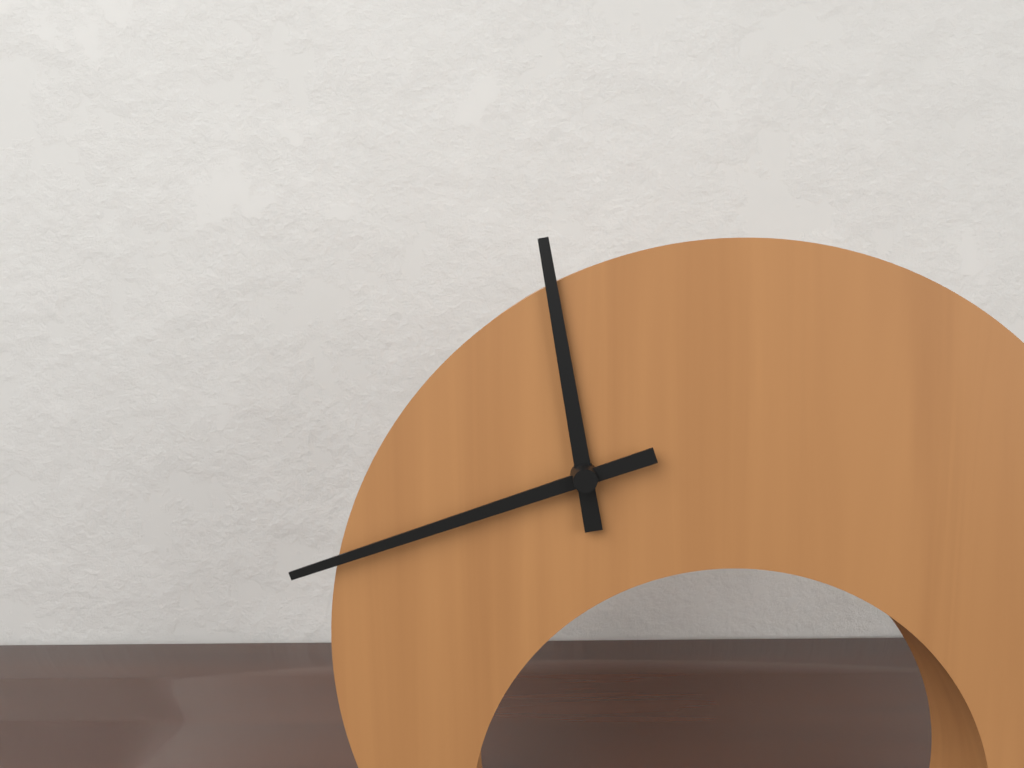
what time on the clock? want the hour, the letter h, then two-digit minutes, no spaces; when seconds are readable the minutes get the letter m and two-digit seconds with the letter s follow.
11h42
